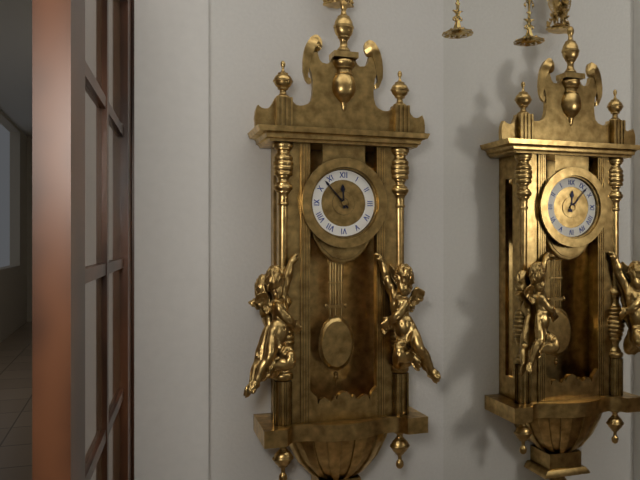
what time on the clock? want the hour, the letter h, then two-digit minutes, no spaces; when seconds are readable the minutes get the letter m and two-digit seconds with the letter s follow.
11h53
